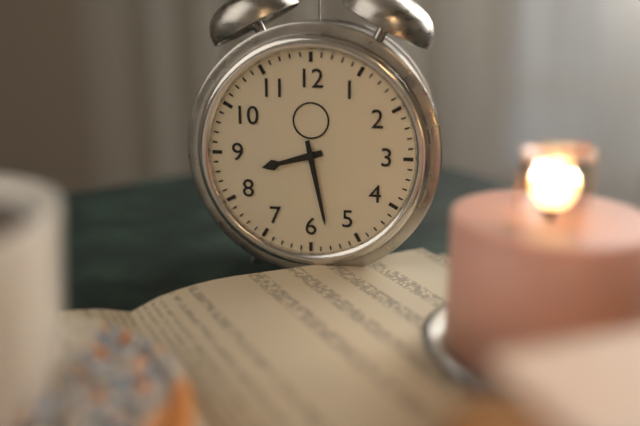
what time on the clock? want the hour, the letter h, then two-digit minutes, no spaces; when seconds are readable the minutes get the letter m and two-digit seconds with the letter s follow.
8h28
